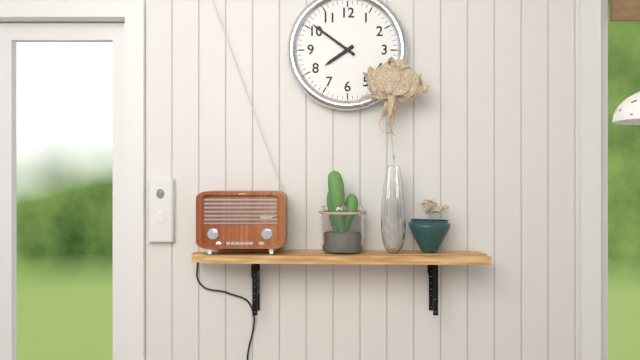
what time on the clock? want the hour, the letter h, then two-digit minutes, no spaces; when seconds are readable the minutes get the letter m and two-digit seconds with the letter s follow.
7h51
